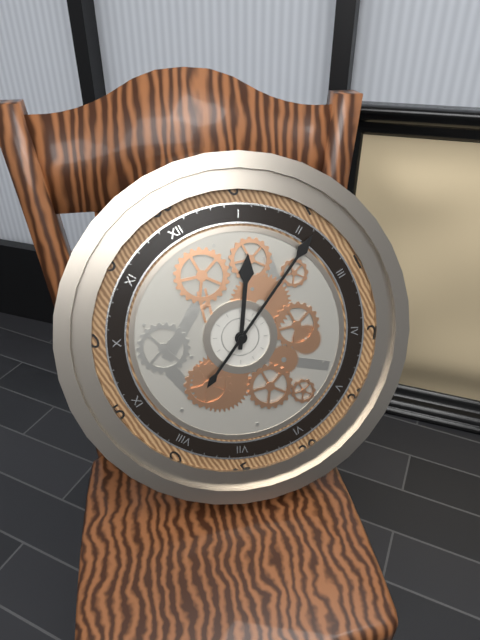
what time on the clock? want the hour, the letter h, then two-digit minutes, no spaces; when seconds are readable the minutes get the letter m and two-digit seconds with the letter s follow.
1h11
